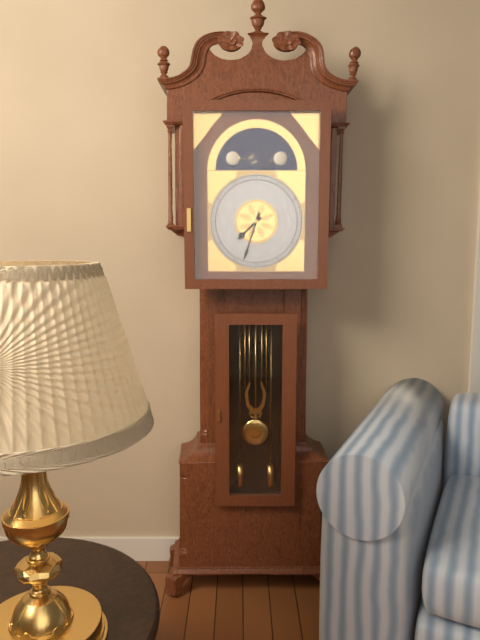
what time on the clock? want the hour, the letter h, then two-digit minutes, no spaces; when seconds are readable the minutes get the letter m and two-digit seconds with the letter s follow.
7h33
